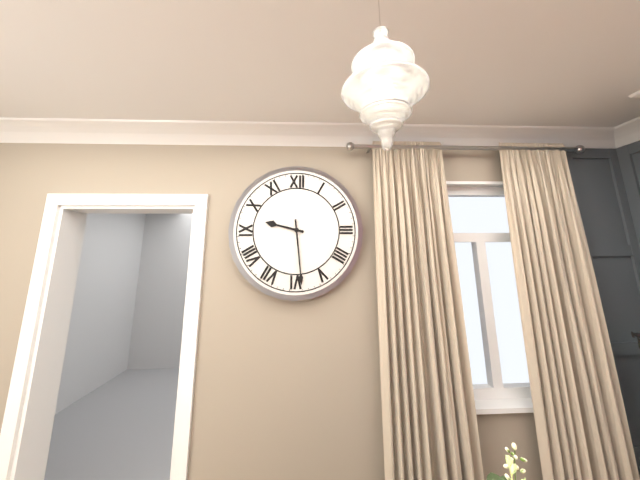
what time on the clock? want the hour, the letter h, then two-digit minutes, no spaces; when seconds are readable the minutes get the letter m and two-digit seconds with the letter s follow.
9h29
